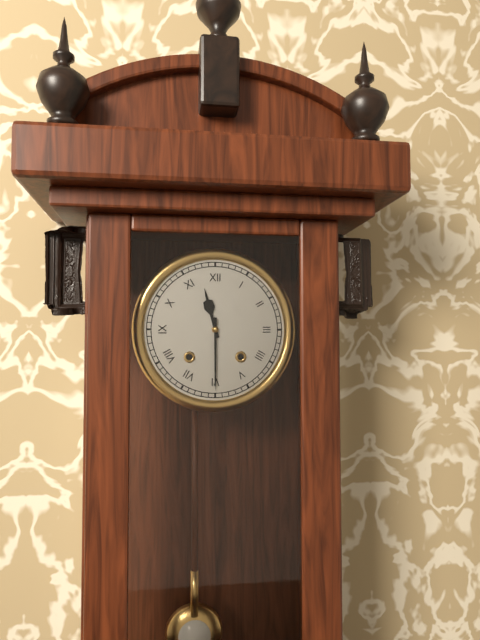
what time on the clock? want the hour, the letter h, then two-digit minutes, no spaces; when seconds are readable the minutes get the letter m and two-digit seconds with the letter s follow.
11h30
